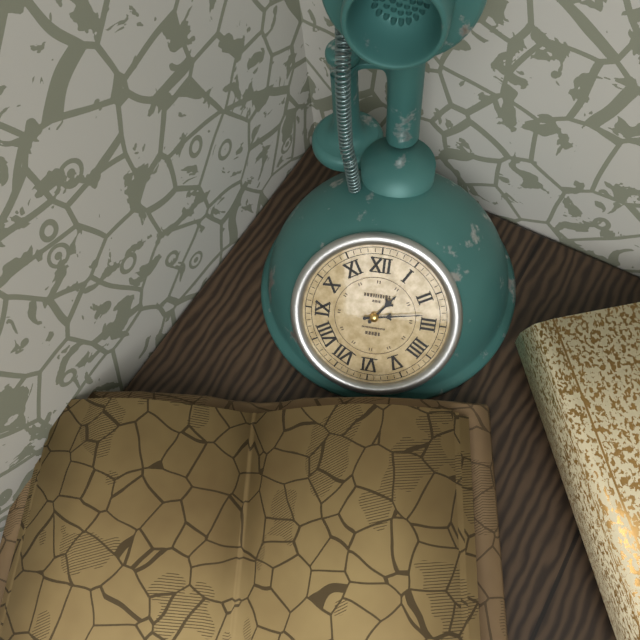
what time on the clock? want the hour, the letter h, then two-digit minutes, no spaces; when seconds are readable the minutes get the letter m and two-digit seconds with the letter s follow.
1h13
